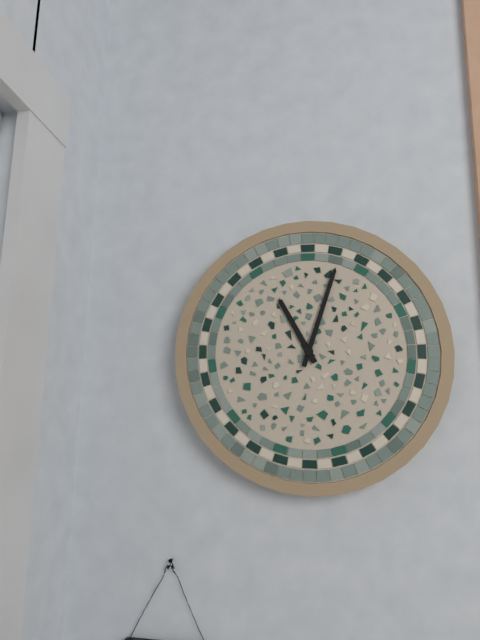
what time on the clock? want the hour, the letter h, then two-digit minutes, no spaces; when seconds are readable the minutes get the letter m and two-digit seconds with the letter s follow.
11h03
